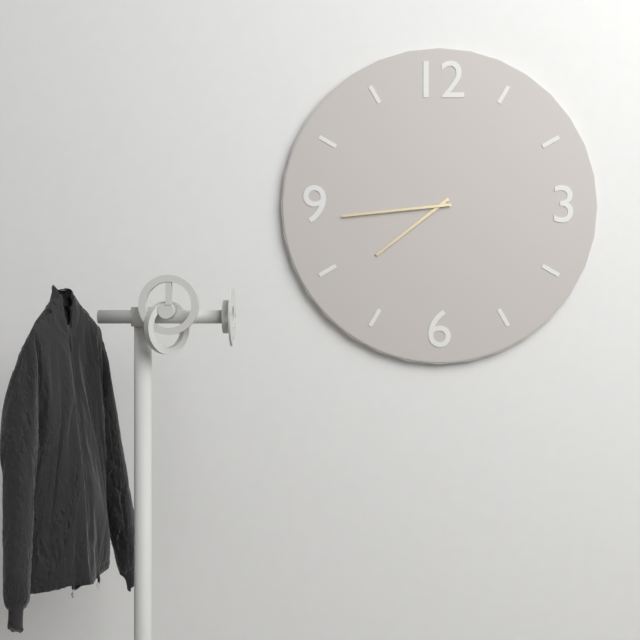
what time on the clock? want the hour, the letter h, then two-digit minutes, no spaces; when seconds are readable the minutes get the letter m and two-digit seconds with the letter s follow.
7h44
